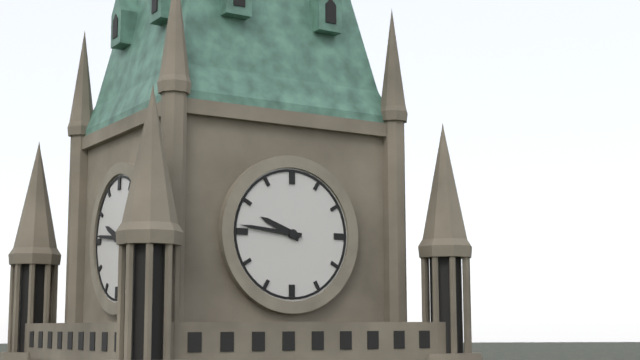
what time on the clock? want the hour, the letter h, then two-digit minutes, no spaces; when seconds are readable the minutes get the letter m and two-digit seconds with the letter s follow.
9h46
